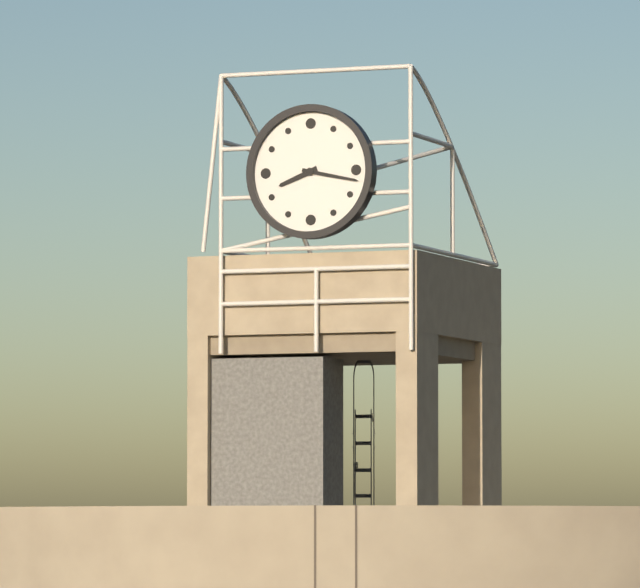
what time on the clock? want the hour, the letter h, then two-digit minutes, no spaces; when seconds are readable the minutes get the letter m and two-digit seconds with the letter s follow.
8h17
